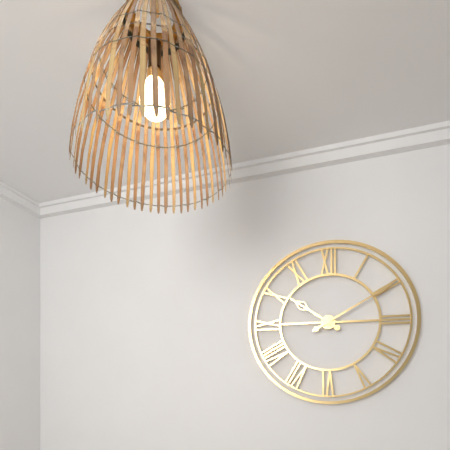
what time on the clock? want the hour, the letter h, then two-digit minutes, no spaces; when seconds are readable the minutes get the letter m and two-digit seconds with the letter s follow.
10h10
